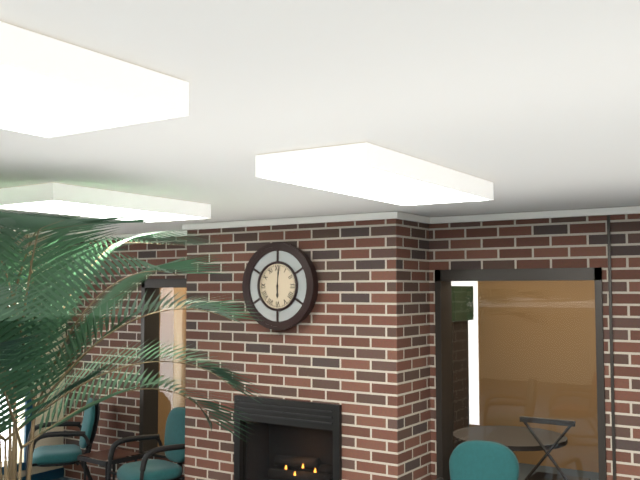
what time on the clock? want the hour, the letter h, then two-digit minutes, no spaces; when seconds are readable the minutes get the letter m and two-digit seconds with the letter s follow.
6h01
